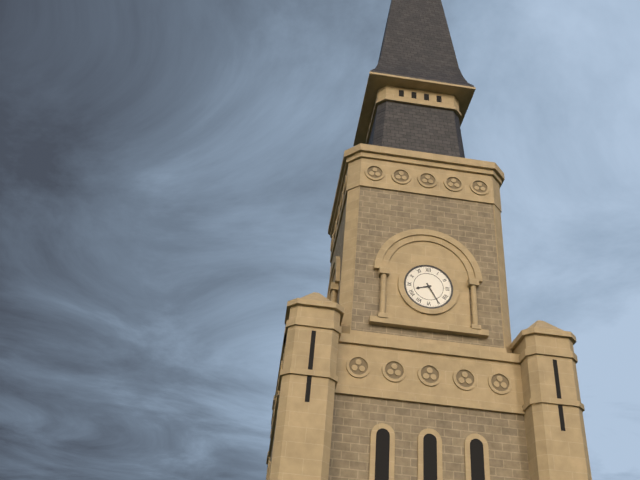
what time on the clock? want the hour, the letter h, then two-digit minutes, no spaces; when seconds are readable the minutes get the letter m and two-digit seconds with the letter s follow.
8h25
